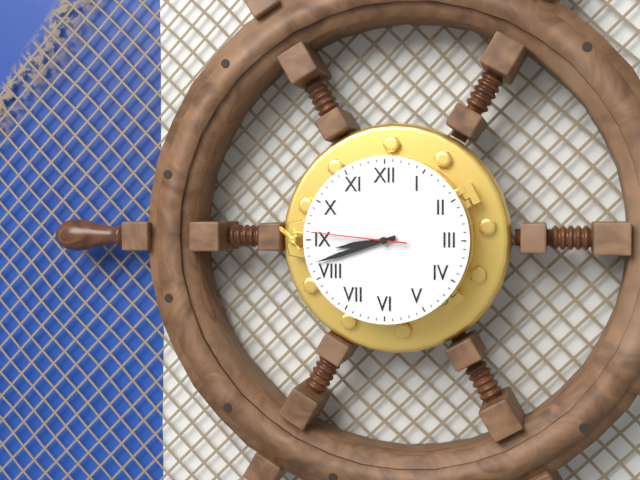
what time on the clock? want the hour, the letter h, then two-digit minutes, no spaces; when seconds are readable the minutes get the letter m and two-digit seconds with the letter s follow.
8h42m46s
